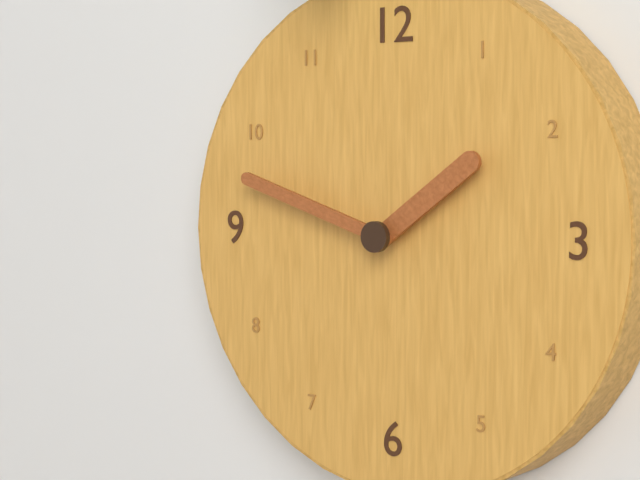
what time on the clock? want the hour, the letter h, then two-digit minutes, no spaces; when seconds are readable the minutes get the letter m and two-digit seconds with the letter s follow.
1h48
